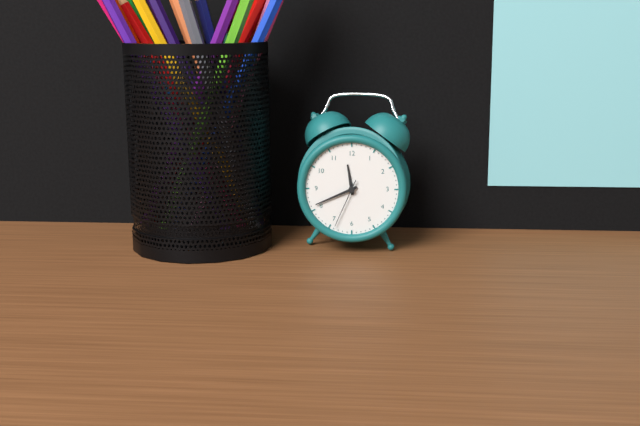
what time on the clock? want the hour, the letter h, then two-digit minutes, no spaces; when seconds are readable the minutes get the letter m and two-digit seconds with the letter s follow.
11h41m34s
